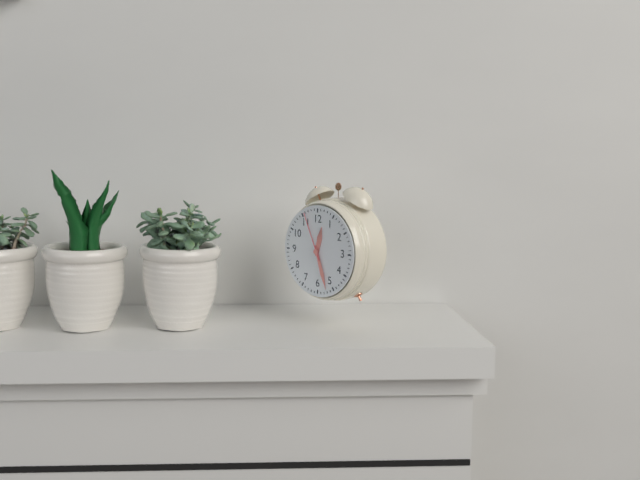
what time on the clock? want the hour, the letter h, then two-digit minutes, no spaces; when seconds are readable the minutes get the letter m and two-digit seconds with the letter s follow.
12h27m56s
